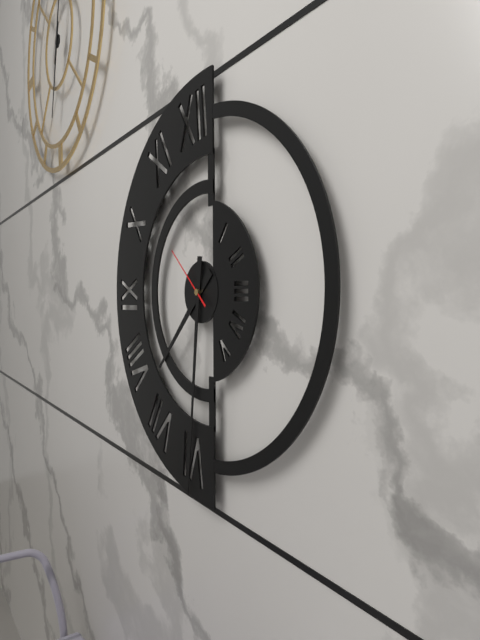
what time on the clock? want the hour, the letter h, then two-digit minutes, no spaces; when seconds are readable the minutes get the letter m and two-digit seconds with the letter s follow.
7h31m52s
